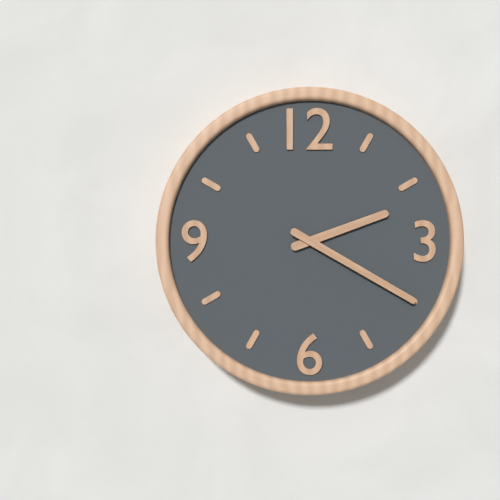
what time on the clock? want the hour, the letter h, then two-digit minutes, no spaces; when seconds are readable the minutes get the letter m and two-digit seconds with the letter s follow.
2h20
